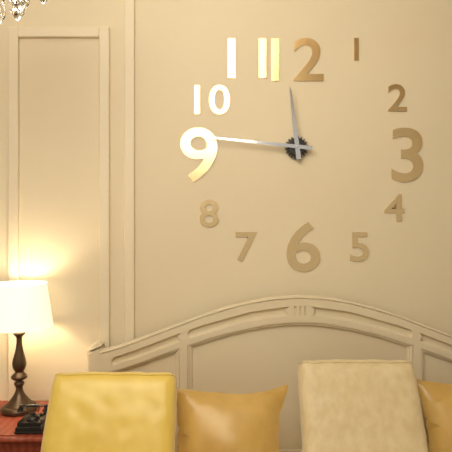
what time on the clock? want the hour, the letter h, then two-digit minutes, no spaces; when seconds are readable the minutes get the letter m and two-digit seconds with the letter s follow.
11h46
